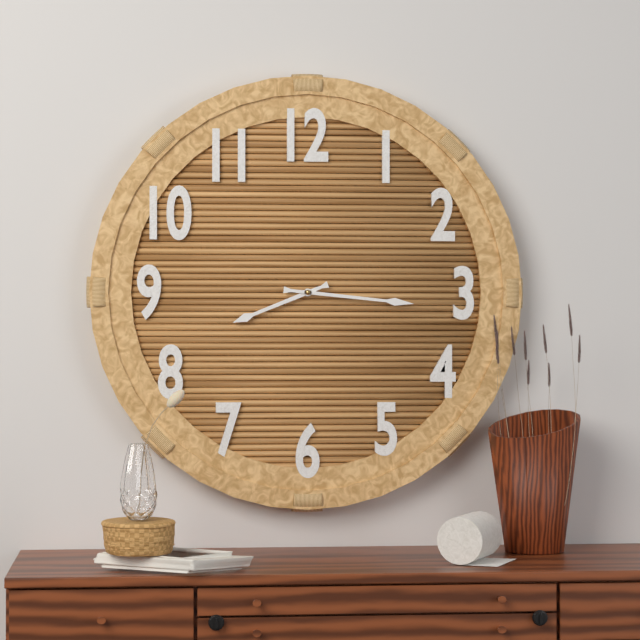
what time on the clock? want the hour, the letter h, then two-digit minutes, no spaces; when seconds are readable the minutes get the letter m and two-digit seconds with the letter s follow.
8h16
